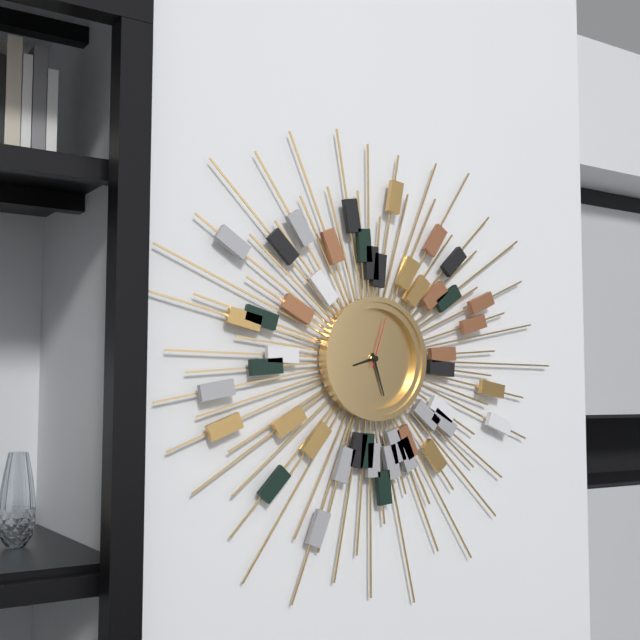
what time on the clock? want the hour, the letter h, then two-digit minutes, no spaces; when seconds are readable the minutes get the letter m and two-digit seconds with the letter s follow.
8h27m03s
